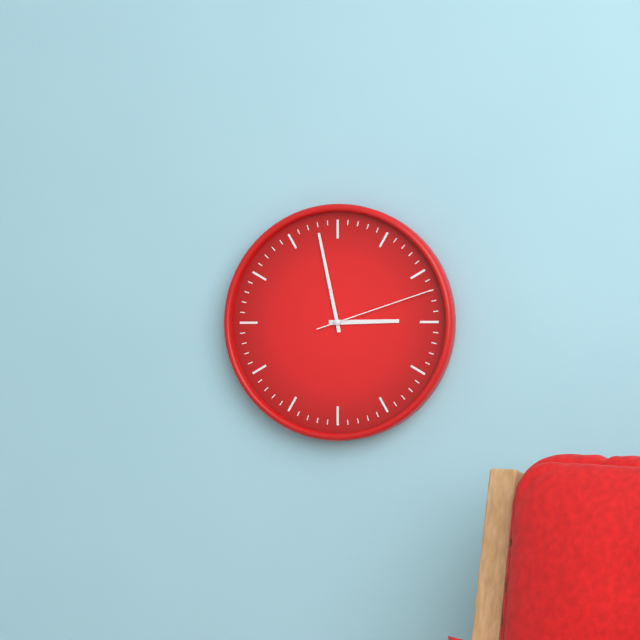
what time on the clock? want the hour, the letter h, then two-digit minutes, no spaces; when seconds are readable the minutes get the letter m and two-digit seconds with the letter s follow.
2h58m12s
